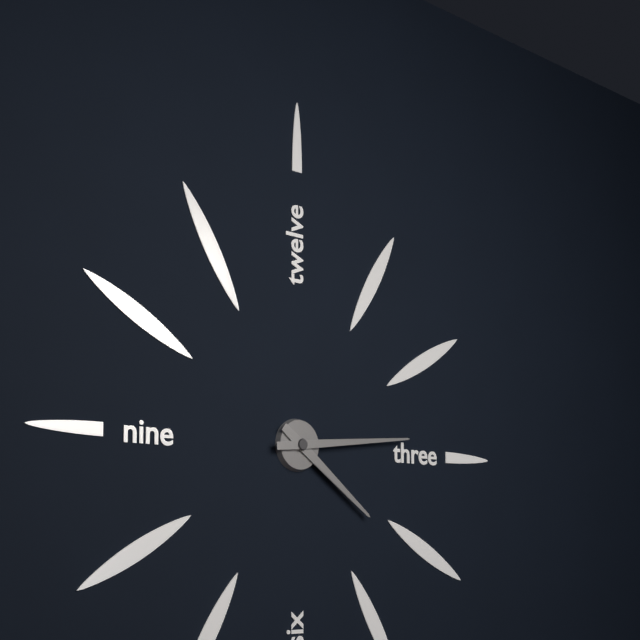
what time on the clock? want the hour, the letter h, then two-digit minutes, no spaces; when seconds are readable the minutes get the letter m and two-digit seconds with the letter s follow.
4h14
